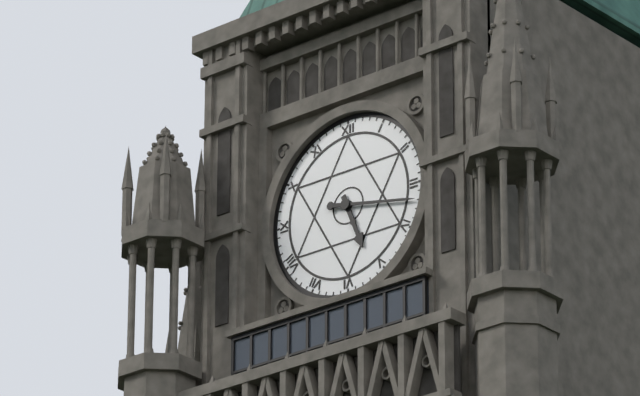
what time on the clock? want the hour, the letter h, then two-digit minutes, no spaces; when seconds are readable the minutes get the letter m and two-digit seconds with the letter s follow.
5h17
